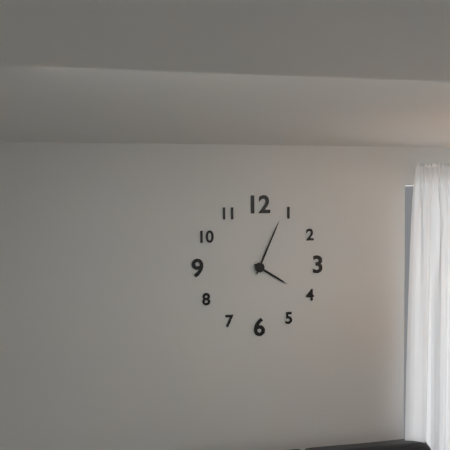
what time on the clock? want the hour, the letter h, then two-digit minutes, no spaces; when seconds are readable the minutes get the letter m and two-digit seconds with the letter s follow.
4h04
